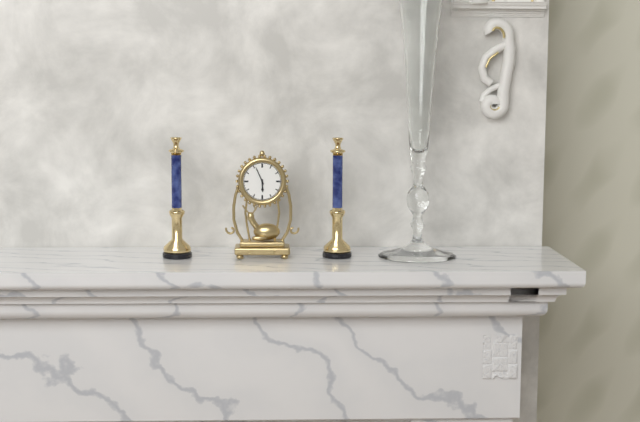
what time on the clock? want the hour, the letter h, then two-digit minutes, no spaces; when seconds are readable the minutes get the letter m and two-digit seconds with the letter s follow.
5h56
